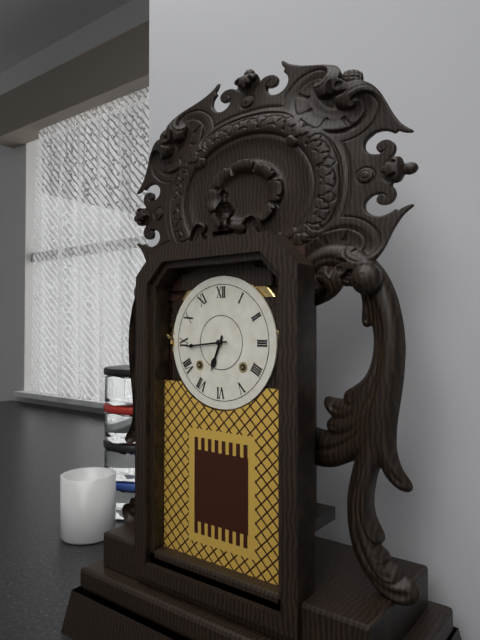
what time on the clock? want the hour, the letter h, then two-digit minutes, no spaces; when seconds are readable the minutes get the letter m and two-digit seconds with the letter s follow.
6h44
